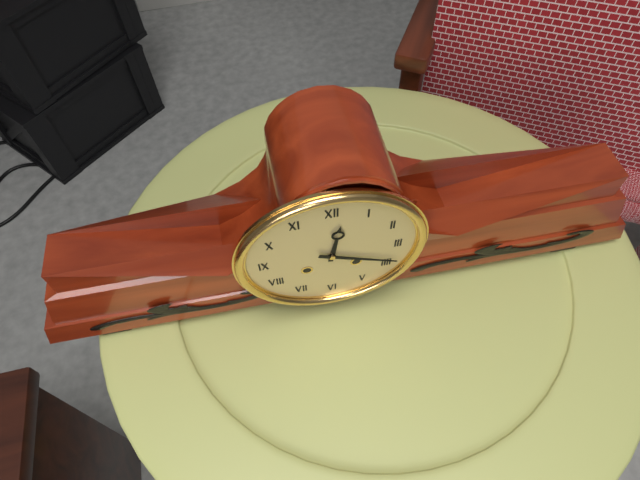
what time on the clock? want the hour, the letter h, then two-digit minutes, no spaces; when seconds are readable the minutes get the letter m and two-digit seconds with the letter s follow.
12h19
